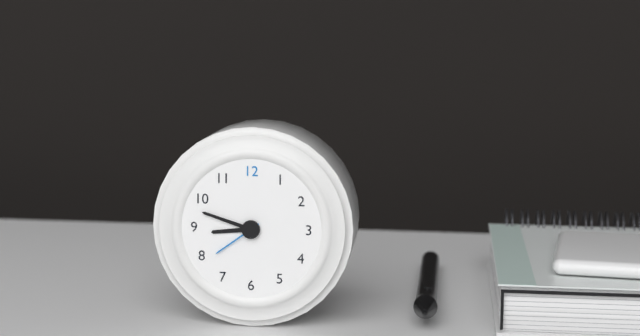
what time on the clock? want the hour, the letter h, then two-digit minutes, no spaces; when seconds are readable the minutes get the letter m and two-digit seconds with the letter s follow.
8h48m39s
